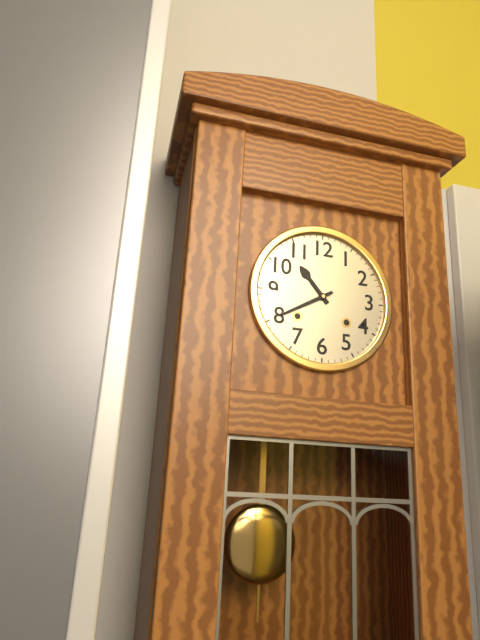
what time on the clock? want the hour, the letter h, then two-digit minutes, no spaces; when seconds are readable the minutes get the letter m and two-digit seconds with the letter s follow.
10h40
